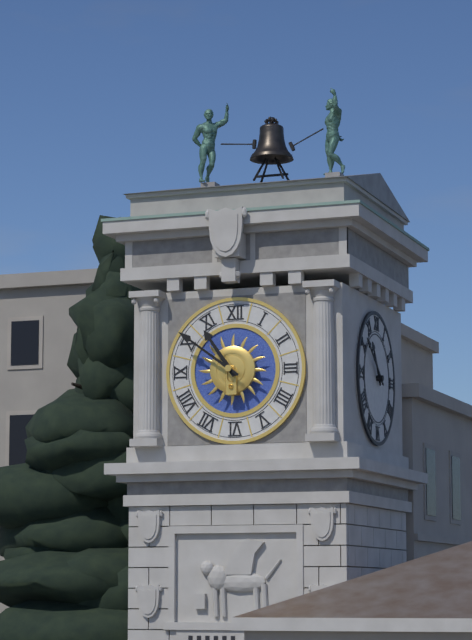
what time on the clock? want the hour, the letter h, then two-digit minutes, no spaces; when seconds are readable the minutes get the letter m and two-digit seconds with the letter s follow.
10h51
